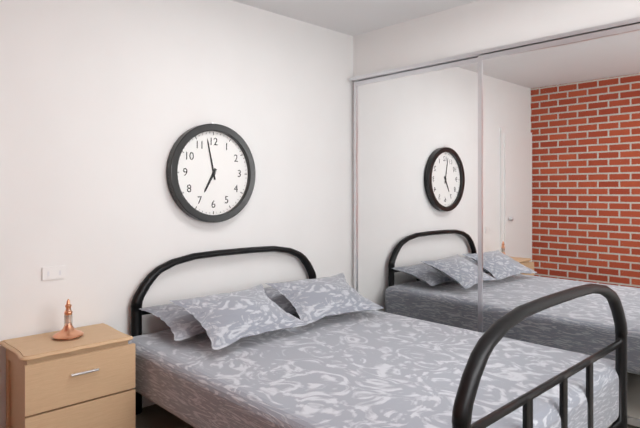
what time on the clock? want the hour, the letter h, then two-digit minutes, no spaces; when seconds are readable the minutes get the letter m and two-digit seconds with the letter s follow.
6h58
